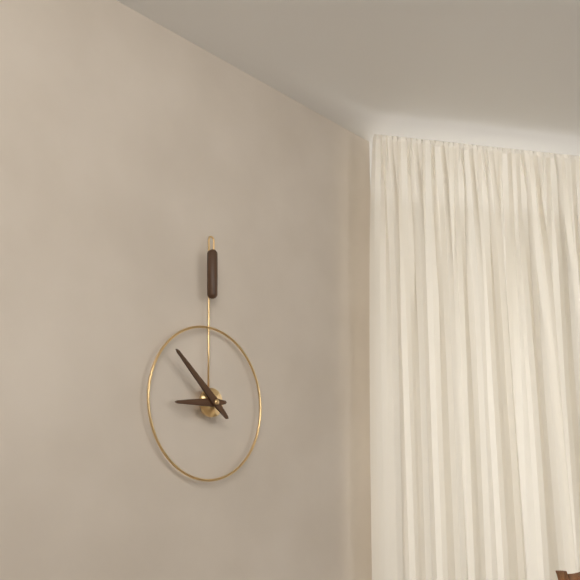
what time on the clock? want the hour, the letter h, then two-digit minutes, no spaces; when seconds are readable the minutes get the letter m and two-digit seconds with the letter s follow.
8h52
